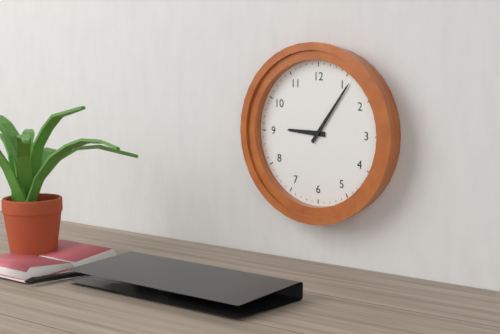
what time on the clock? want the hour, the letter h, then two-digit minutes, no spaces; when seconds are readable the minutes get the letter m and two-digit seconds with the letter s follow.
9h06
